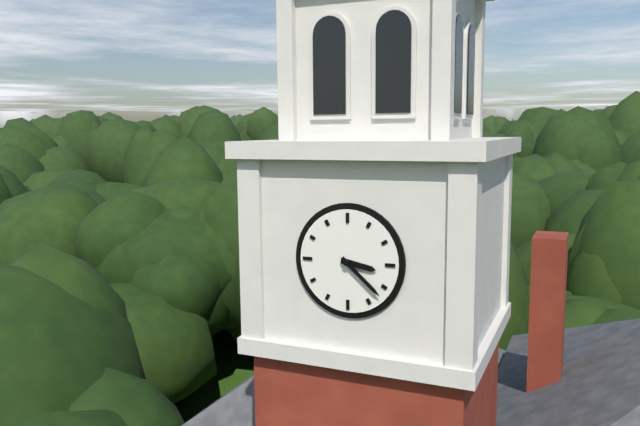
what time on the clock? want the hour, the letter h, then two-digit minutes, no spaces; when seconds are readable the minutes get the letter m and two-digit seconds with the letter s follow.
3h22
